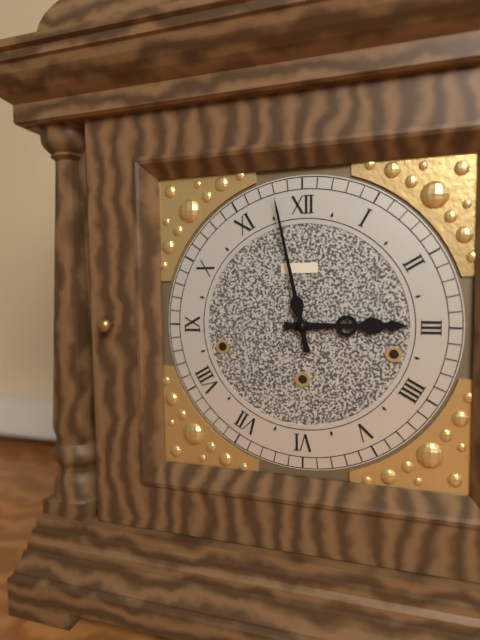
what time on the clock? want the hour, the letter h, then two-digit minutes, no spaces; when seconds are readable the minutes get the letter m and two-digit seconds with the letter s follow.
2h58
